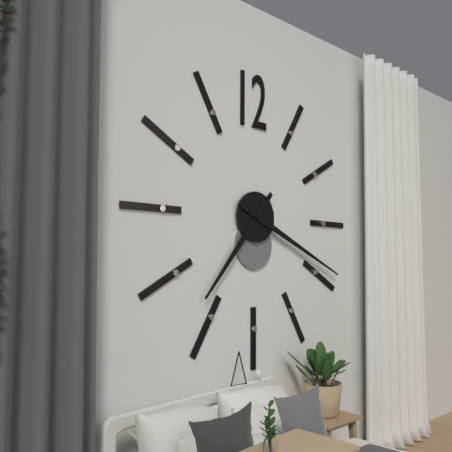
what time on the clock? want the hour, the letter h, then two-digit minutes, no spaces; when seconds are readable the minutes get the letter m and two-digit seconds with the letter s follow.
7h19
